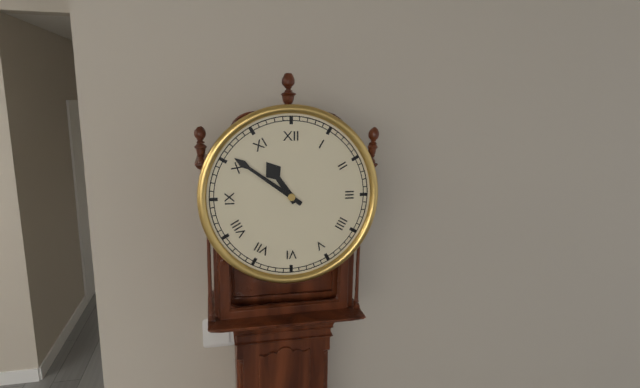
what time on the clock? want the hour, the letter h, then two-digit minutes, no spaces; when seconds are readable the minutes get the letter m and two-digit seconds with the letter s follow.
10h51
